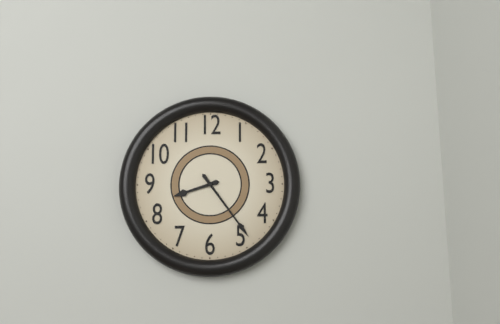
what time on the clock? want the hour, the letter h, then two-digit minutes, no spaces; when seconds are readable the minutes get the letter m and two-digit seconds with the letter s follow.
8h24
